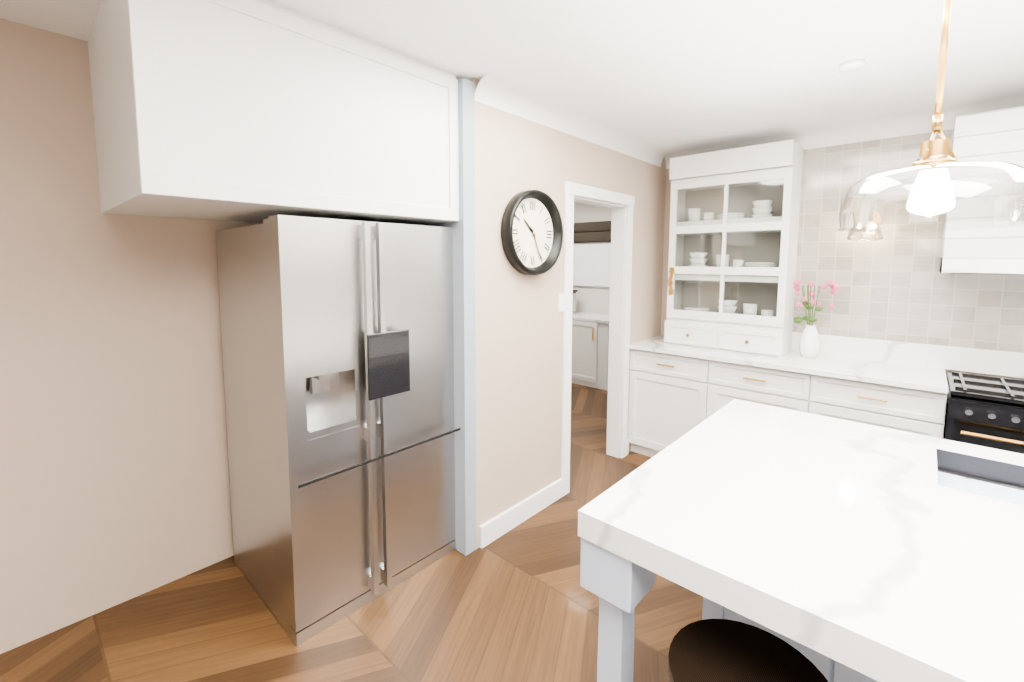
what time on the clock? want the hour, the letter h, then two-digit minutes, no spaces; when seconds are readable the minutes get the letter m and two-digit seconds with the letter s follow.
10h26
